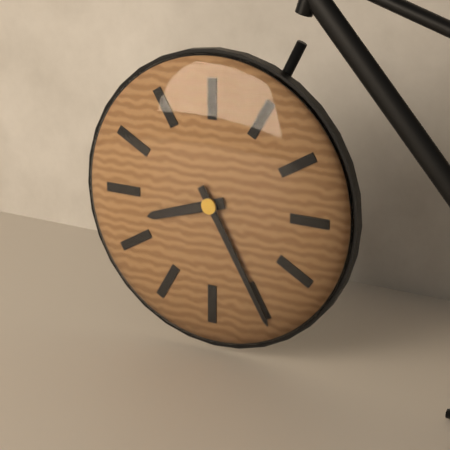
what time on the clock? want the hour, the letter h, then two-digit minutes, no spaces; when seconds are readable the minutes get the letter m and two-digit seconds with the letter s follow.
8h25
